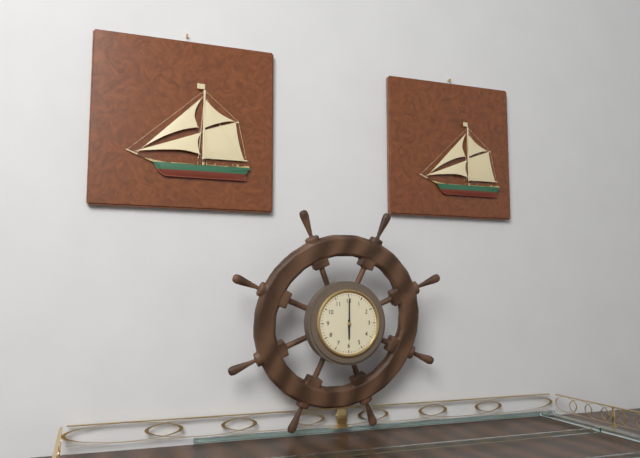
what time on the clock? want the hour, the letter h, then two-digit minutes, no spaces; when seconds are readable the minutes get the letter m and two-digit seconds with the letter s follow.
6h00
